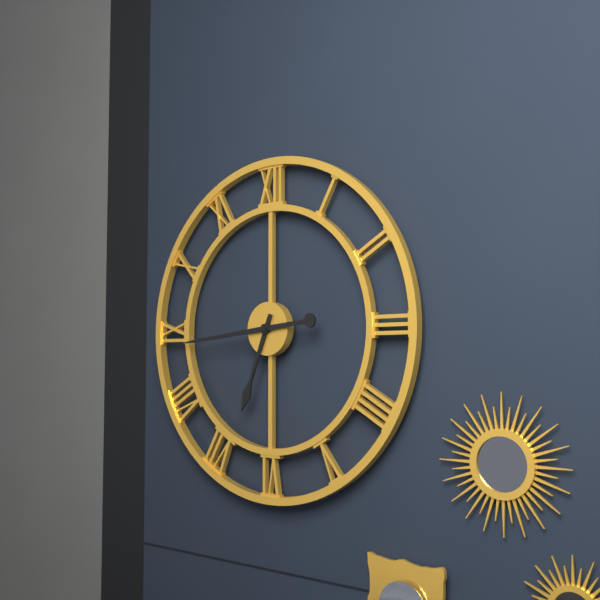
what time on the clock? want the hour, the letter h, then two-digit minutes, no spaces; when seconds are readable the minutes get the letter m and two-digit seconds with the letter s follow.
6h44
